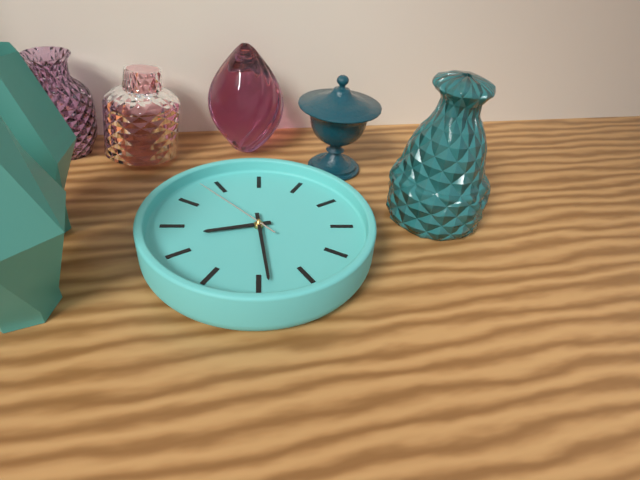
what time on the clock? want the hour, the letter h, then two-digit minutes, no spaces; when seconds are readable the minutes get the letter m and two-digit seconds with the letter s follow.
9h34m58s
